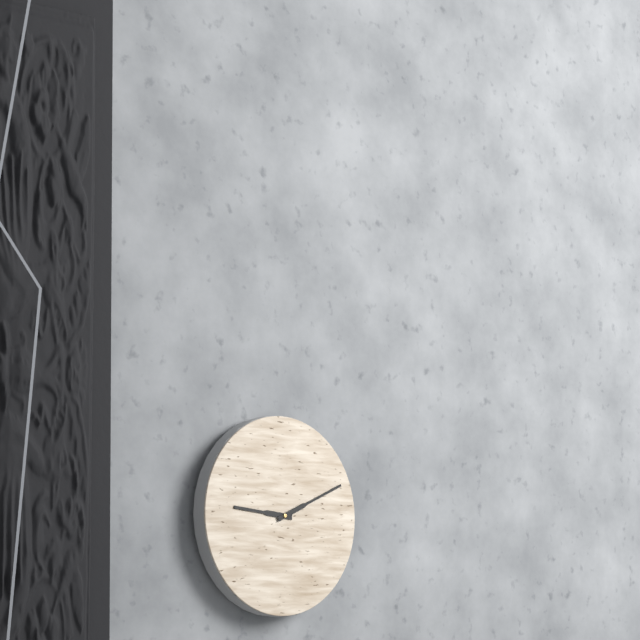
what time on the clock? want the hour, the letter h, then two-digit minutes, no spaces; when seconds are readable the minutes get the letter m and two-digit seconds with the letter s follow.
9h11
